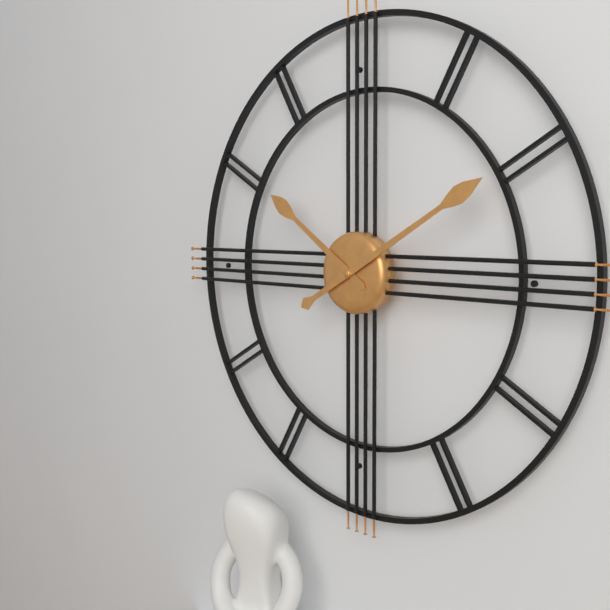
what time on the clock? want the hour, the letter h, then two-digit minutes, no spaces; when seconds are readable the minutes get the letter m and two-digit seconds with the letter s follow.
10h10
